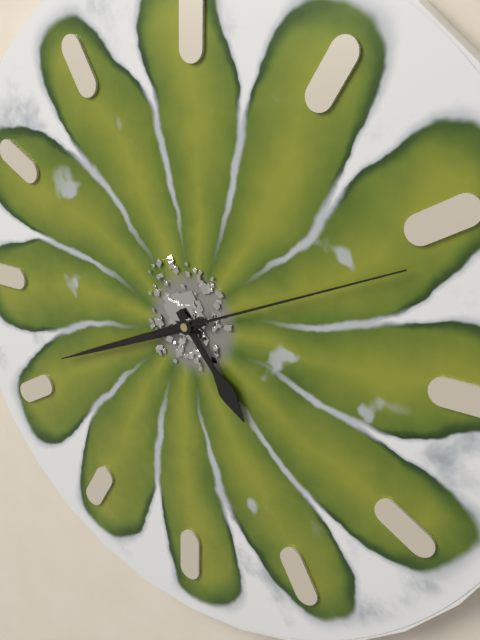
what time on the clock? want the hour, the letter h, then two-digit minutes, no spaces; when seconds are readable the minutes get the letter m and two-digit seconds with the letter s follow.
4h41m11s
